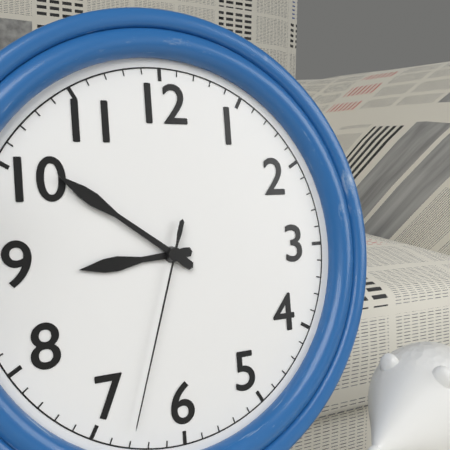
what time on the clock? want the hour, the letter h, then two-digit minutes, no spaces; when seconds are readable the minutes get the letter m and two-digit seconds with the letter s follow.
8h51m33s
